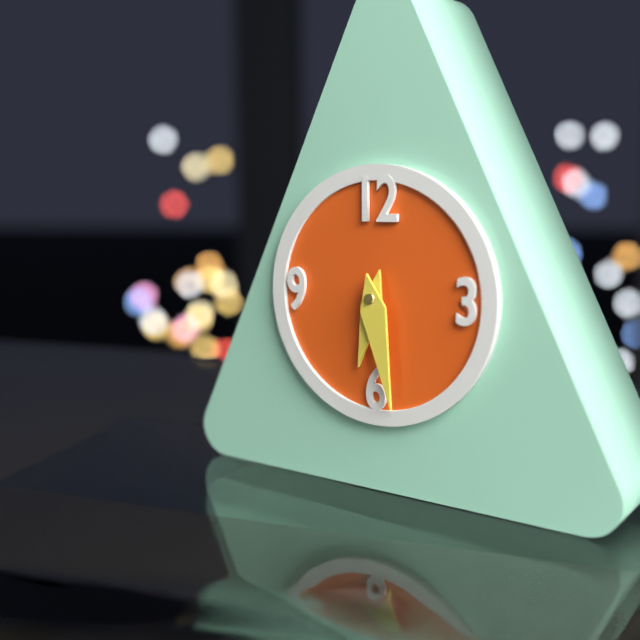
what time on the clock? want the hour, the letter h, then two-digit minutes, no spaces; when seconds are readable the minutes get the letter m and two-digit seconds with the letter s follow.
6h28
